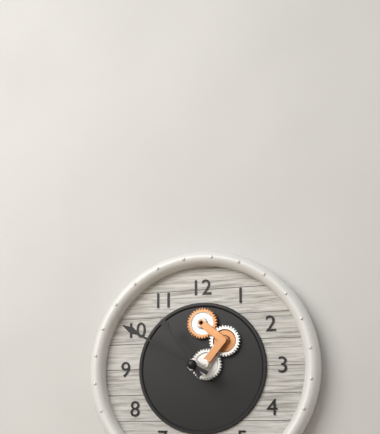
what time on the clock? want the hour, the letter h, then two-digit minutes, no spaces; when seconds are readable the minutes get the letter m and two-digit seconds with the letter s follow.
10h50
